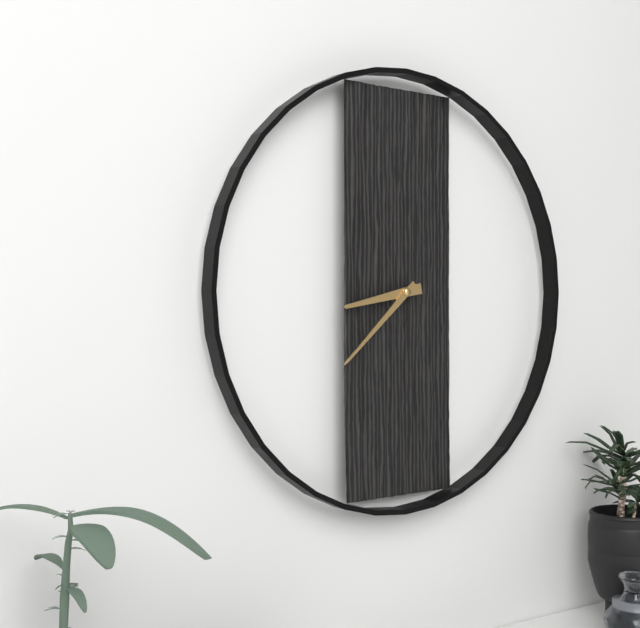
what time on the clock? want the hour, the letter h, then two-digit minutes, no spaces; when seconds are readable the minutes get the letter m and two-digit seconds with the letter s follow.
8h38
